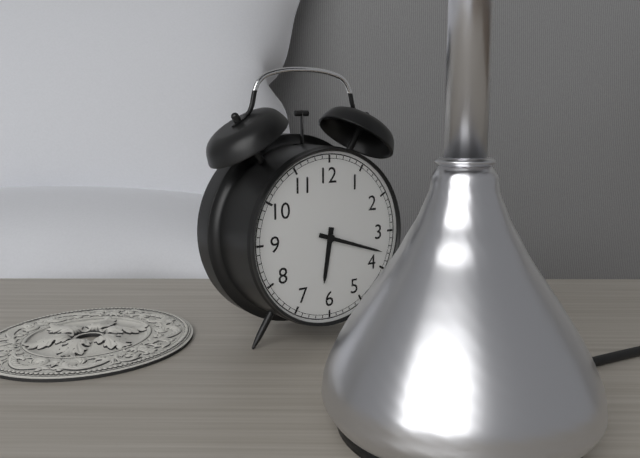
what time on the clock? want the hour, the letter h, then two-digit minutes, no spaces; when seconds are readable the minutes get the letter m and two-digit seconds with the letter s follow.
6h18
